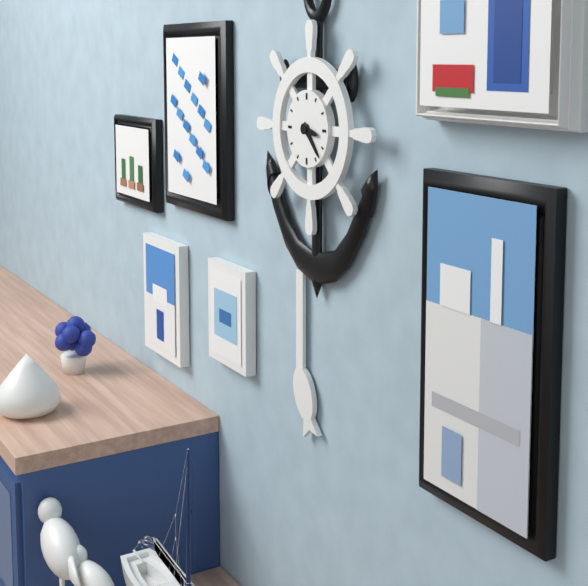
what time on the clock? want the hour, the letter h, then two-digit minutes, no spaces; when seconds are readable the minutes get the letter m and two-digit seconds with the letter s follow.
3h23
